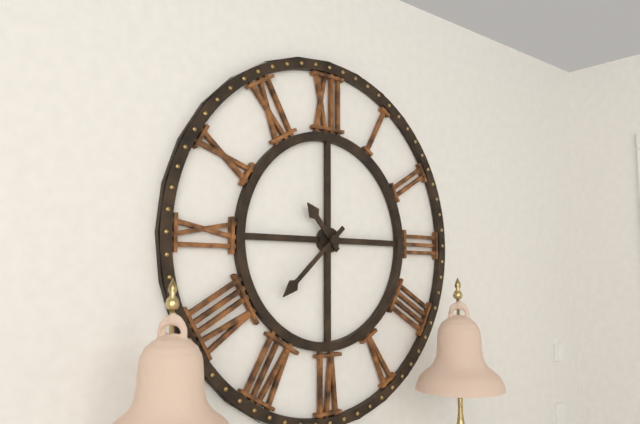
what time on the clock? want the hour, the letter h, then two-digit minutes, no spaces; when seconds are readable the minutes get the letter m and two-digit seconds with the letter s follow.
10h38
